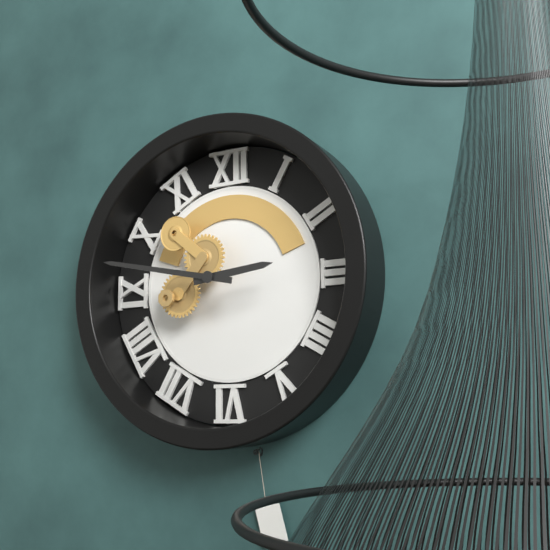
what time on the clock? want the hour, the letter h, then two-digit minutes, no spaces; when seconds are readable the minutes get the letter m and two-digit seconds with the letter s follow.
2h47
